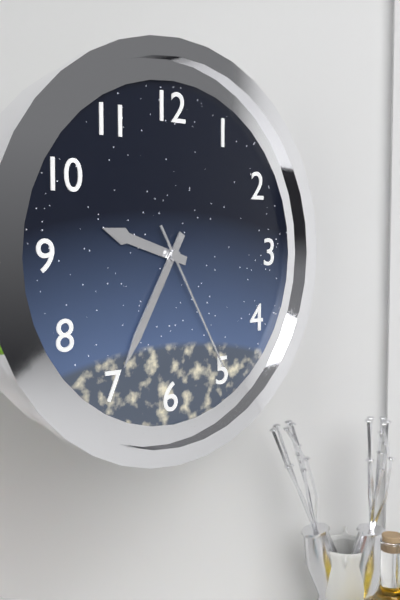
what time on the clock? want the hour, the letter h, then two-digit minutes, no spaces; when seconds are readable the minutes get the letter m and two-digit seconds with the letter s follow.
9h35m25s
